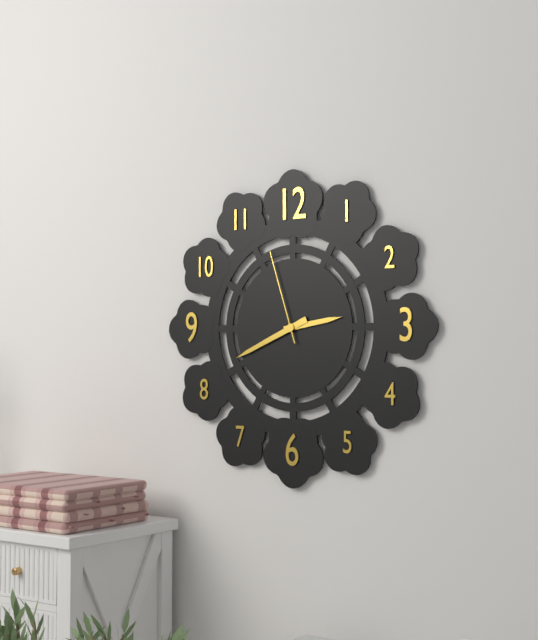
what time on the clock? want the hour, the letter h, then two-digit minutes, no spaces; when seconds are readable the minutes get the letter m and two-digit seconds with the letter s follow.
2h41m57s
